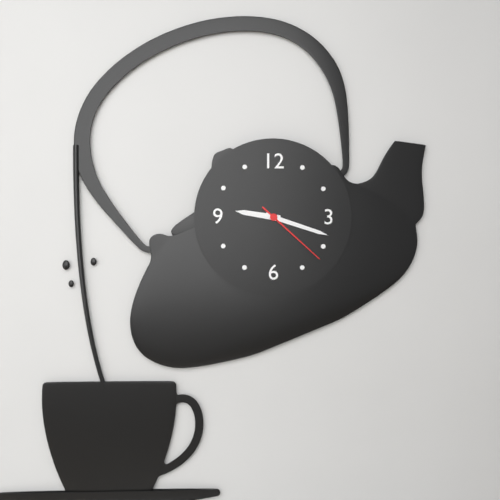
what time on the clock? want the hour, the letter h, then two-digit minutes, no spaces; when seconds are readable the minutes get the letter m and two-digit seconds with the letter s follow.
9h18m22s
